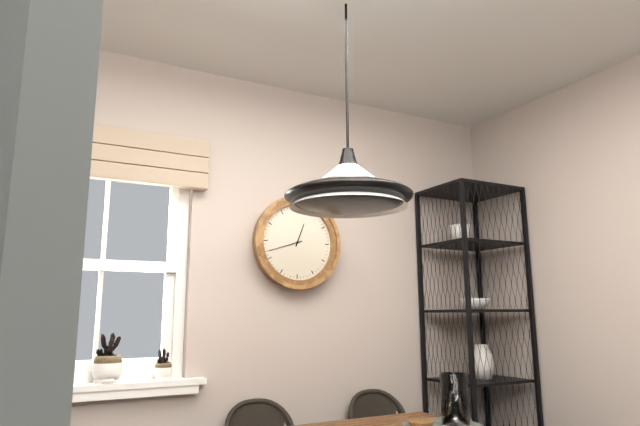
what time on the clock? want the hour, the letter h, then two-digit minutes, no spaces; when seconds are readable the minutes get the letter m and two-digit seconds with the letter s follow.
12h42
